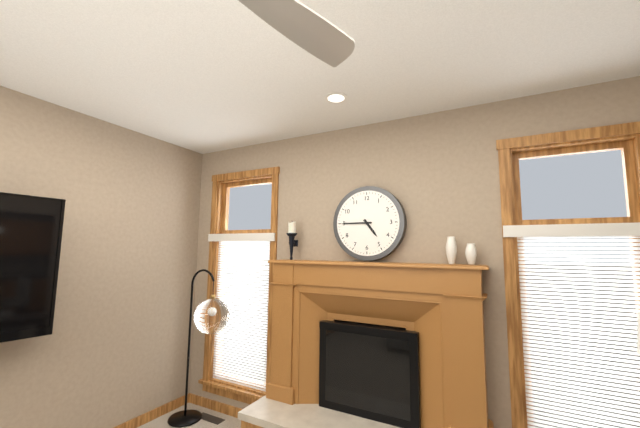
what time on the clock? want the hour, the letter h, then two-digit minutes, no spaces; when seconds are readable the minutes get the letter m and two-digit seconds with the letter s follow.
4h45
